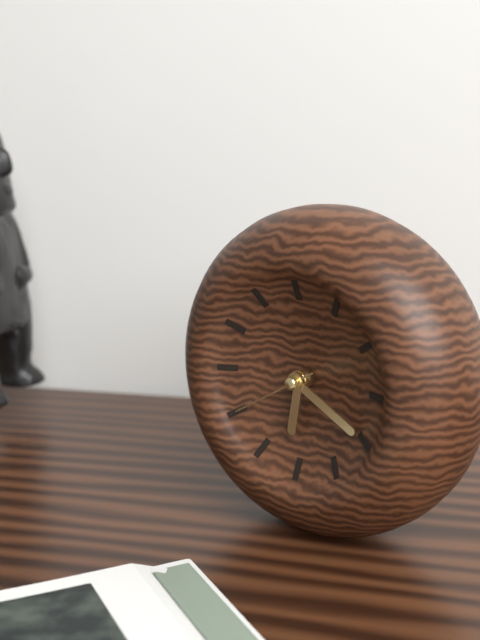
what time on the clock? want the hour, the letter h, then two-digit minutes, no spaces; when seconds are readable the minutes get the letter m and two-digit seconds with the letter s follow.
6h20m40s
